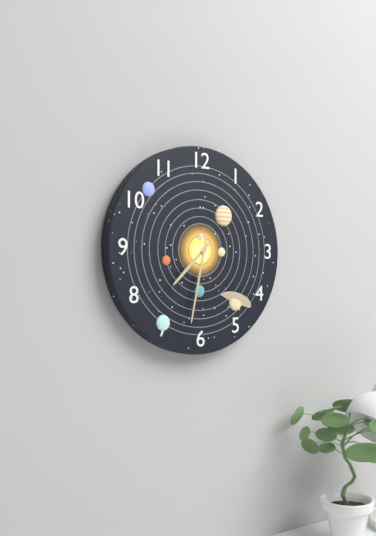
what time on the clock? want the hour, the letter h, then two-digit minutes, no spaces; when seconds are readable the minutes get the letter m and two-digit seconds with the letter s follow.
7h32
